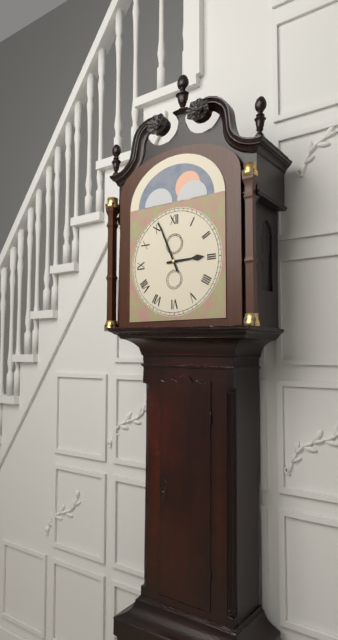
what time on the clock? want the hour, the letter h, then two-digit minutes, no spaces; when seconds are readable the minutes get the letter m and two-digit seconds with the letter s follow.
2h56
